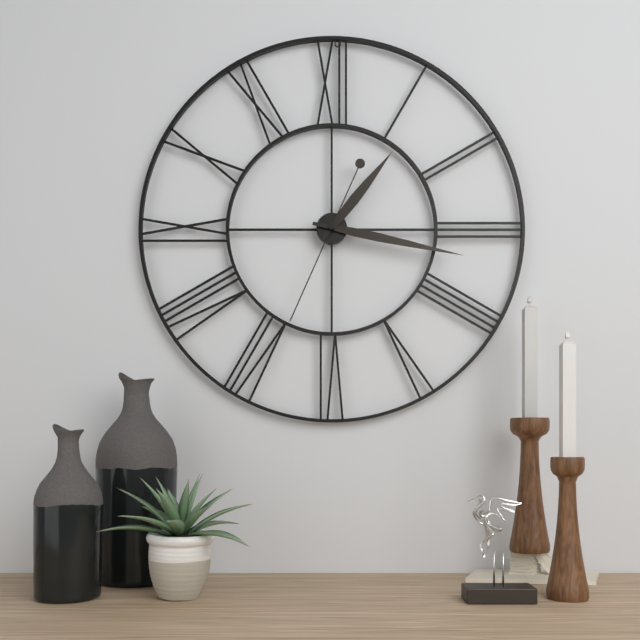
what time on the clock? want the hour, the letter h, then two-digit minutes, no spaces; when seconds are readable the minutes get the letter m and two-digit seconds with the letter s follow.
1h17m34s
